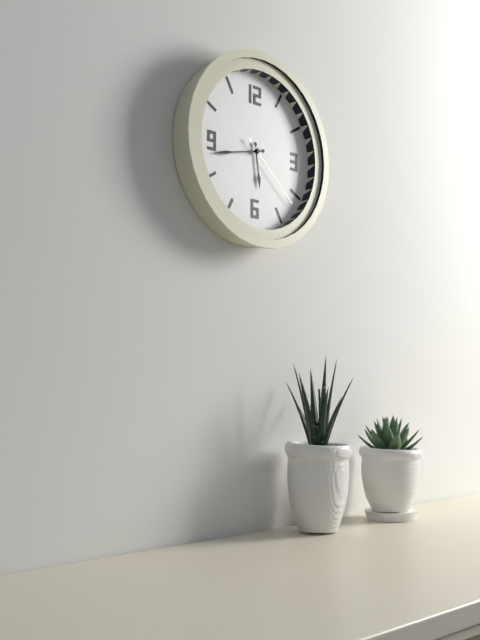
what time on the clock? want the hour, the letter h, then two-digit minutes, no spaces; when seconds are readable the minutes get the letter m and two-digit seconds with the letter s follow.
5h43m22s
